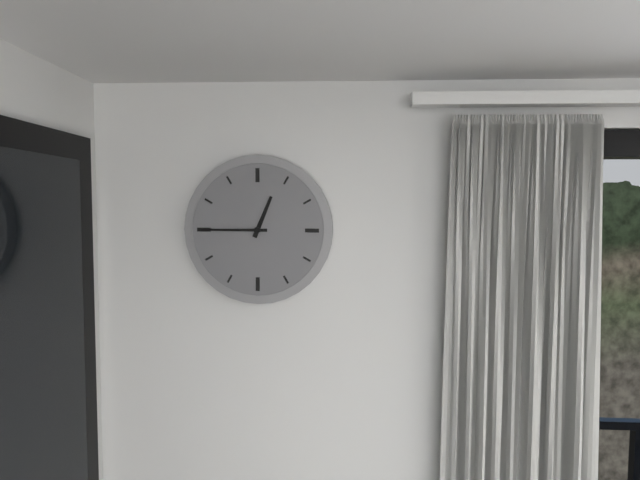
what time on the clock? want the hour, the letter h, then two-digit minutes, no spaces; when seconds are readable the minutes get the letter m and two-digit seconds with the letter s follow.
12h45
